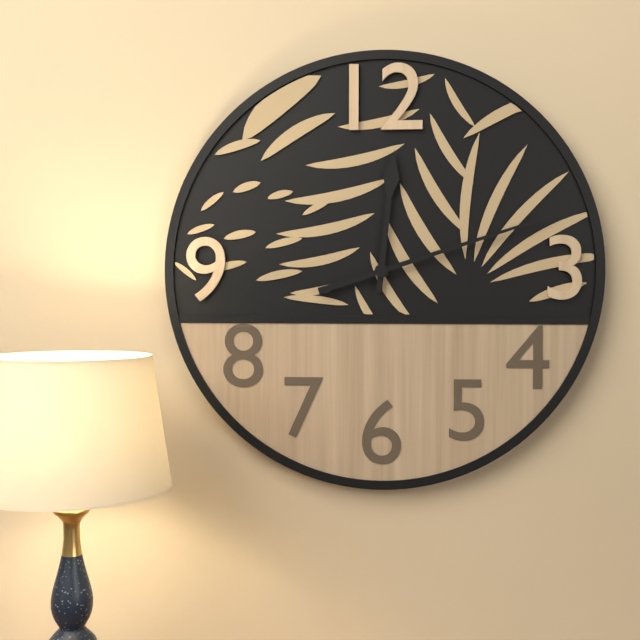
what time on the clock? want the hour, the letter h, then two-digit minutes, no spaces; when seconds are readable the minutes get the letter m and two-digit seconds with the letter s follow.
12h12
